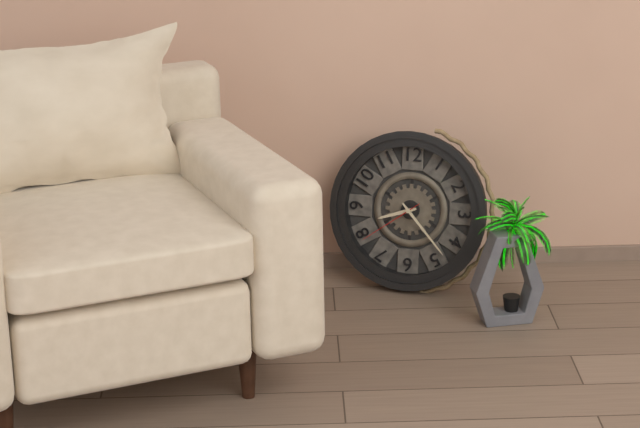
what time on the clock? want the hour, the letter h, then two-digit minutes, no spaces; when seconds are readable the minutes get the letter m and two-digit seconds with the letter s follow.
8h23m39s
